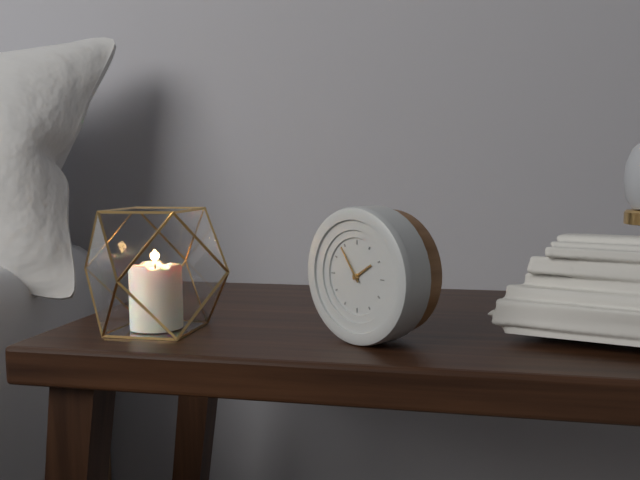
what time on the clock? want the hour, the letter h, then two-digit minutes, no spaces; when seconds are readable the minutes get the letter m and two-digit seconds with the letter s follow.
1h54
